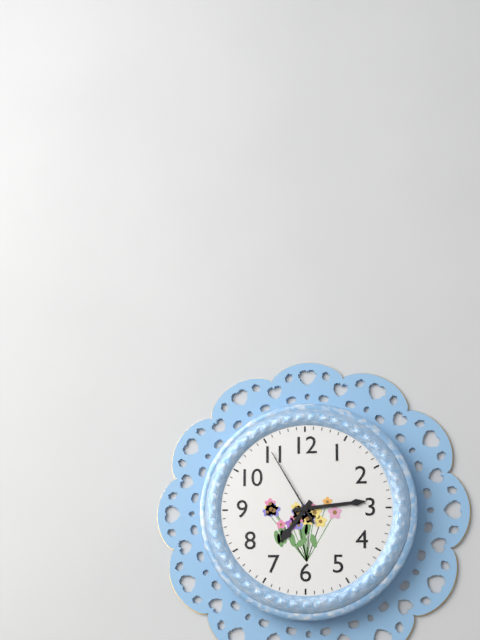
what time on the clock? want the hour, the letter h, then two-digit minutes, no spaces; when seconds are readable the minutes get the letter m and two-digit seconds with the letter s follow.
7h14m55s
